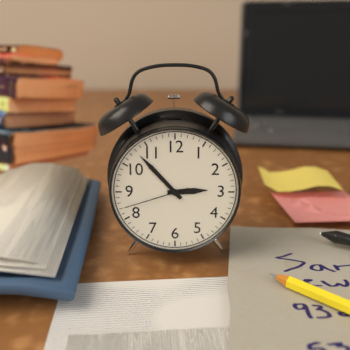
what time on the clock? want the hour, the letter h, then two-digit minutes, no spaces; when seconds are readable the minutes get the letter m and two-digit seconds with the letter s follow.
2h53m42s
